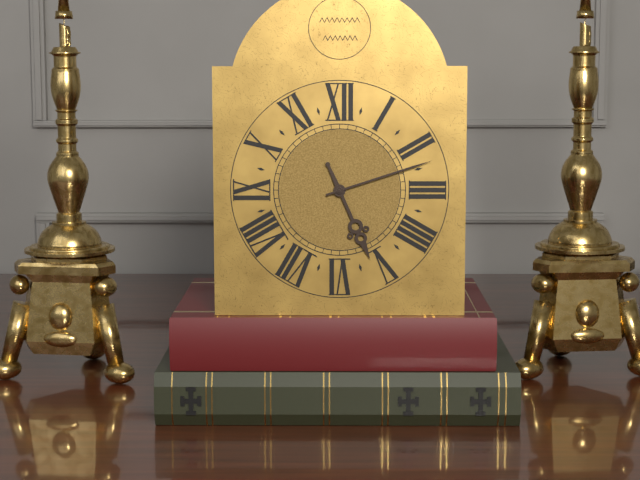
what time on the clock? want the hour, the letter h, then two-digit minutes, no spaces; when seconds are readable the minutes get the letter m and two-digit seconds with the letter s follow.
5h12
